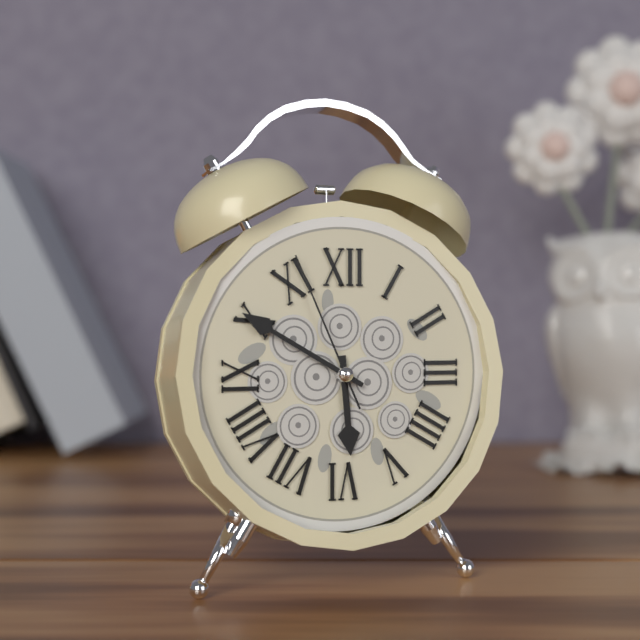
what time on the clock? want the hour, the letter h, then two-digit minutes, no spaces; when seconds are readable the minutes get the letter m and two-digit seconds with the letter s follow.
5h50m56s
